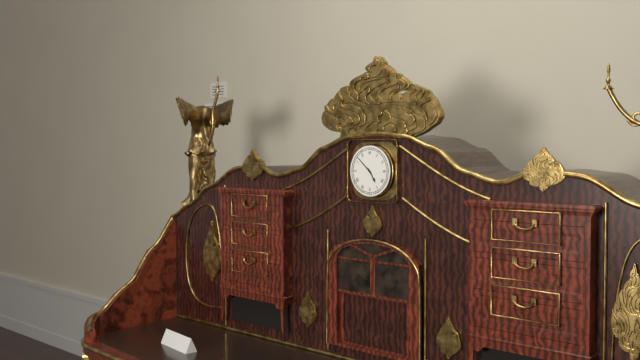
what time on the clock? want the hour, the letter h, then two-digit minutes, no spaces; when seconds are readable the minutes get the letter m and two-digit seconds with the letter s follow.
4h52
